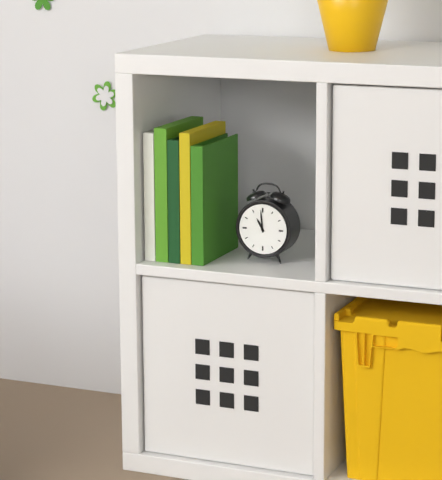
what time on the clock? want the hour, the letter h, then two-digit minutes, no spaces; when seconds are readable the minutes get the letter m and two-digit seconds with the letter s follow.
10h59
